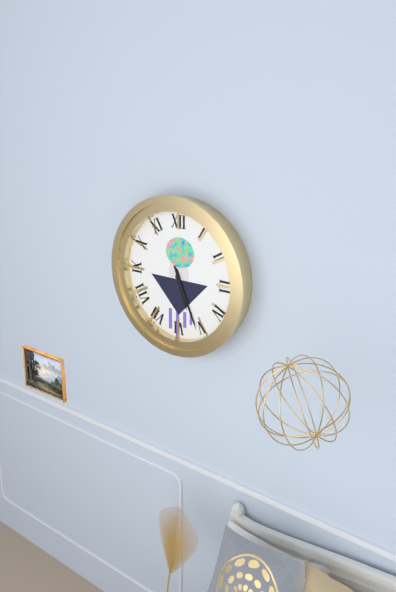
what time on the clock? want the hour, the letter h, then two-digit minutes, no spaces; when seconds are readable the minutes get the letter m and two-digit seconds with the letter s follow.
5h26
